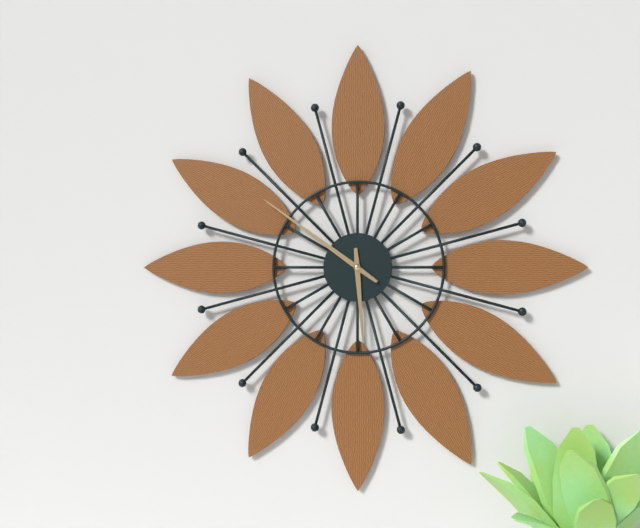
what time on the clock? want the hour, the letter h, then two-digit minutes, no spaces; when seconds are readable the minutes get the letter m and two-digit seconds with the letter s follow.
5h51
